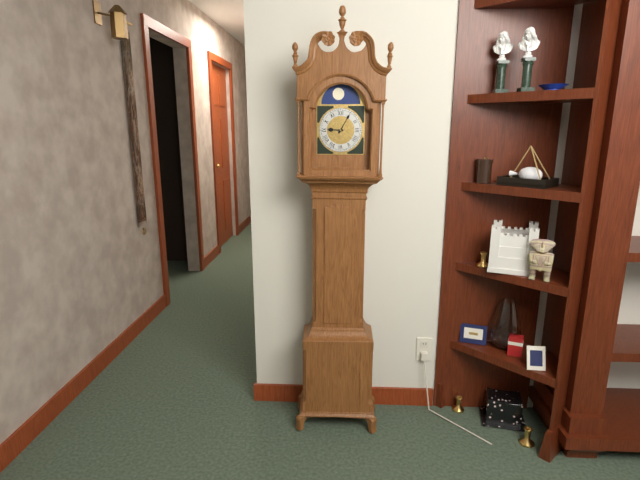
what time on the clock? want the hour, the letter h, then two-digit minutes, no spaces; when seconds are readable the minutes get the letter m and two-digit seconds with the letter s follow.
9h05
